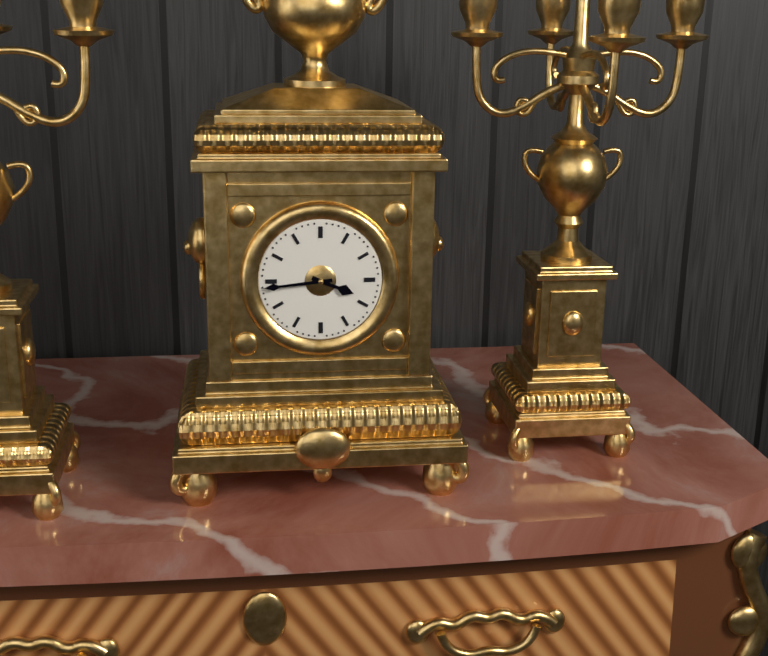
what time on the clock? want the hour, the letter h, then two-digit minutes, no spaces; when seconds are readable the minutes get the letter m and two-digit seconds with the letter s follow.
3h44
